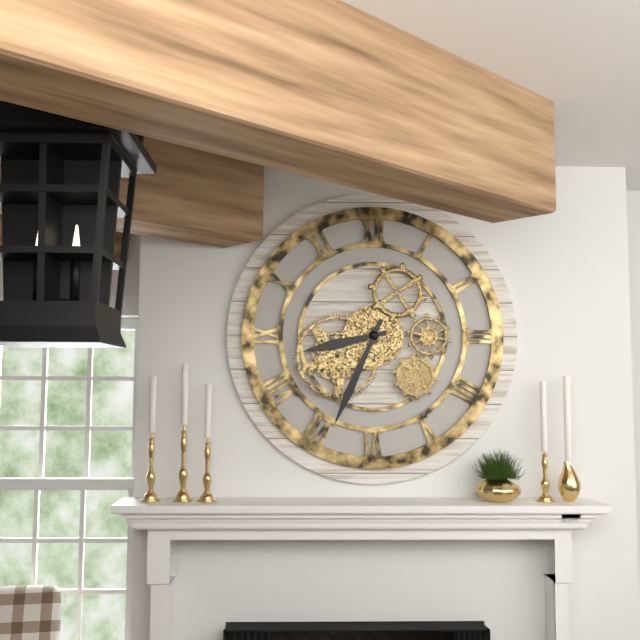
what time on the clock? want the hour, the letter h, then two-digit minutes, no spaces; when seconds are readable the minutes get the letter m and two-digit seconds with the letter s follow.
8h34
